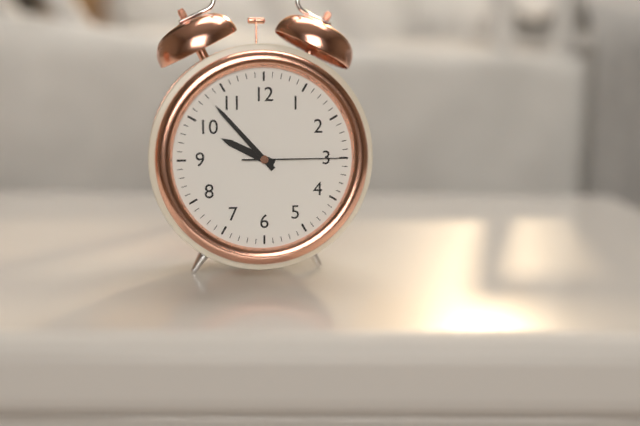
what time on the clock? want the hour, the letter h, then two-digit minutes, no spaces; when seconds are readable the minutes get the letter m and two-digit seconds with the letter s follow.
9h53m15s
